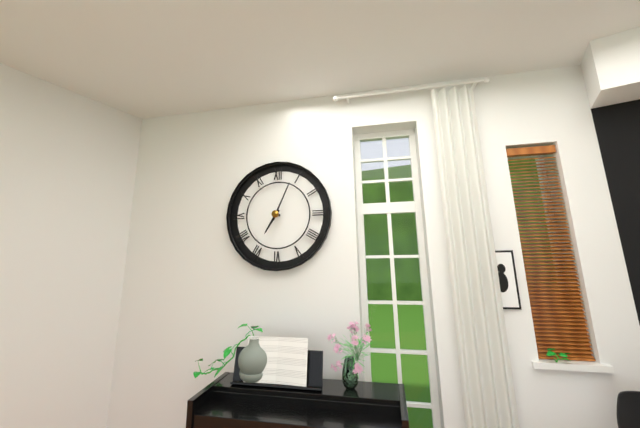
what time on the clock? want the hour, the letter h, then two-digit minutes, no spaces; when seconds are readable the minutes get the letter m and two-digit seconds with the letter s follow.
7h04
